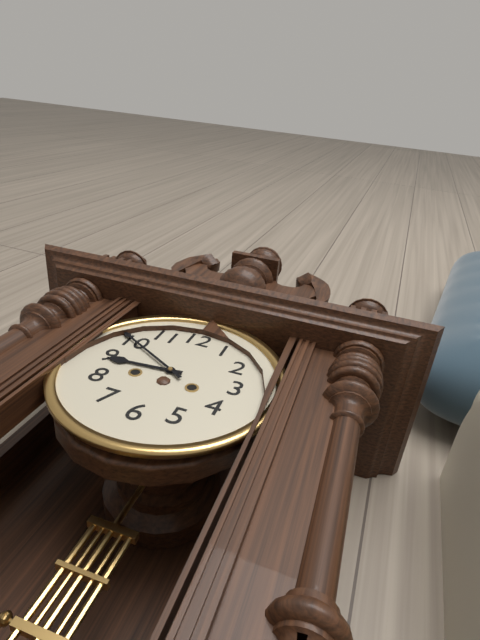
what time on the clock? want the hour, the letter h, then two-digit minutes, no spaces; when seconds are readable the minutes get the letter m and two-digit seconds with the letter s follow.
8h50
